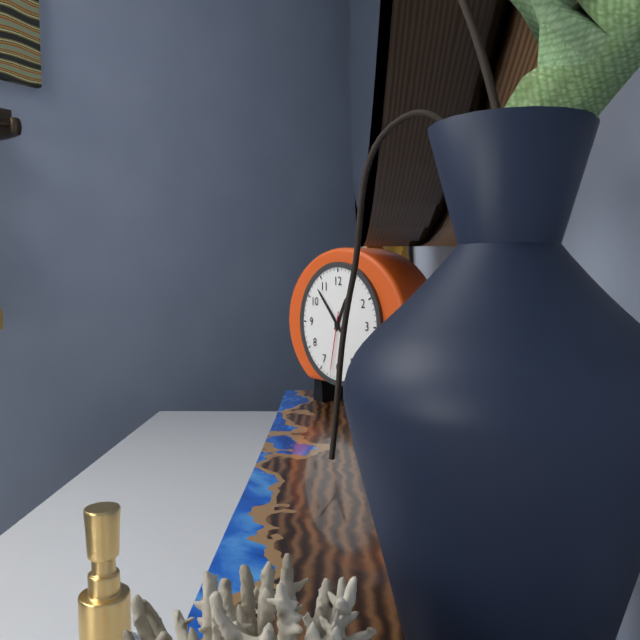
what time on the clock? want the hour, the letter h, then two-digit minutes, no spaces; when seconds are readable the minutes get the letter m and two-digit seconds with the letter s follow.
12h53m32s
